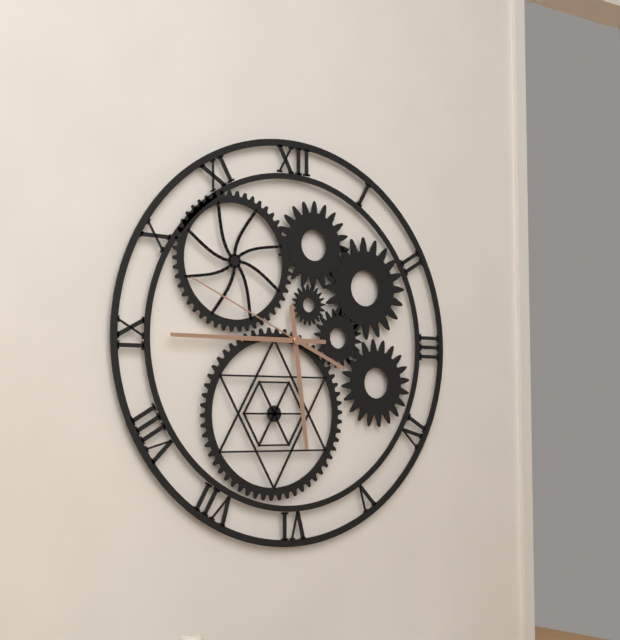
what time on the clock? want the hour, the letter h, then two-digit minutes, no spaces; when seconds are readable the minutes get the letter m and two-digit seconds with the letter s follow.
5h45m49s
